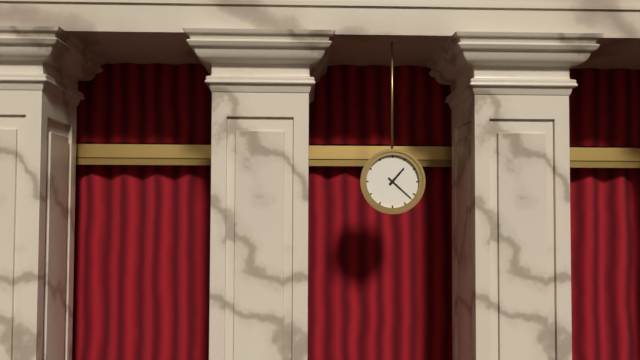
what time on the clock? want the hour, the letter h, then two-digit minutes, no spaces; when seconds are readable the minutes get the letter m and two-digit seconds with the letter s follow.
1h22
